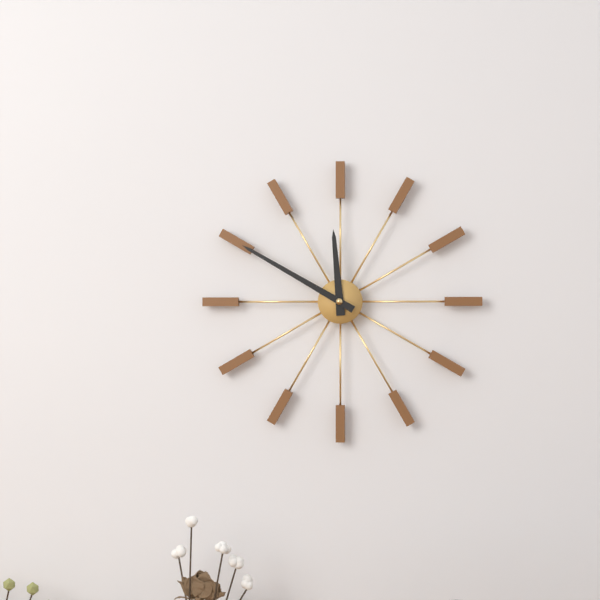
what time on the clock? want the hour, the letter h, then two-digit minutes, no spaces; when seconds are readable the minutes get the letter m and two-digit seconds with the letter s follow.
11h50
